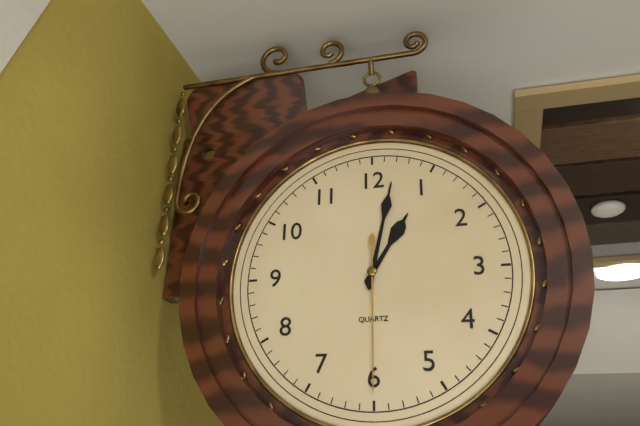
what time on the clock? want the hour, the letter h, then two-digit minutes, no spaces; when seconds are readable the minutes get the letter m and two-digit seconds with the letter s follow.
1h02m30s
